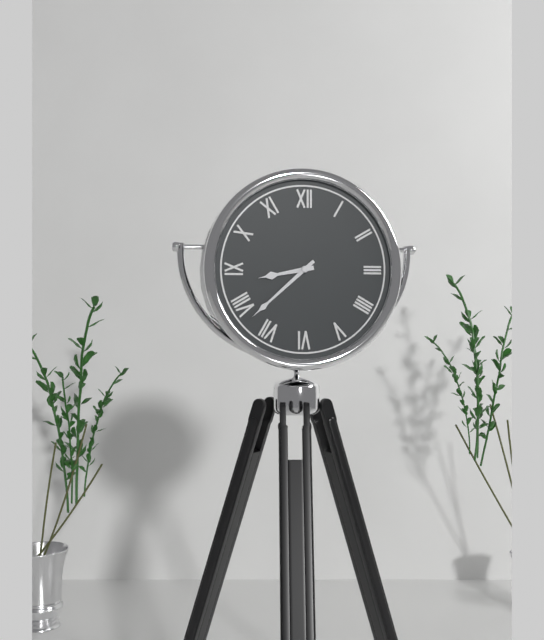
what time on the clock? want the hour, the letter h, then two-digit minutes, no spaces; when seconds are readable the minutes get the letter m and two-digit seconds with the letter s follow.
8h38
